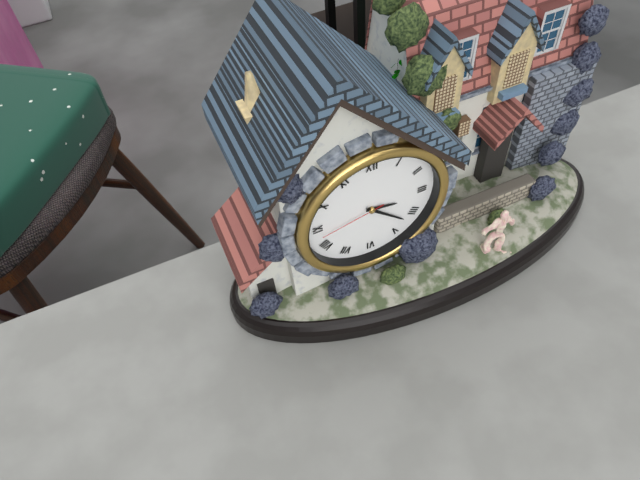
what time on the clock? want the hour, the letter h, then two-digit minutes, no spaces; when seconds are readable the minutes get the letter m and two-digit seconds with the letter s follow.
3h22m43s
